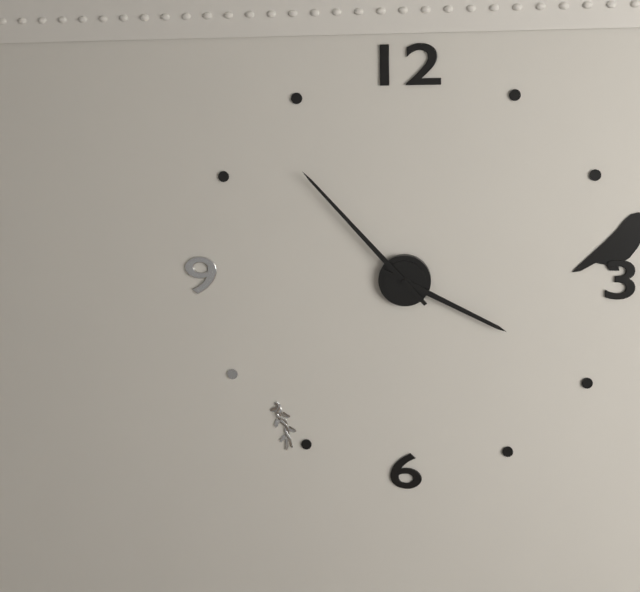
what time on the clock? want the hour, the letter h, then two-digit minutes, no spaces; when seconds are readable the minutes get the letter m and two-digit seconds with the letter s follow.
3h53
